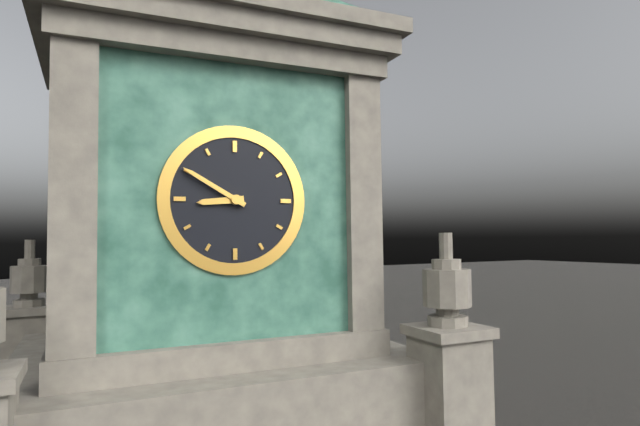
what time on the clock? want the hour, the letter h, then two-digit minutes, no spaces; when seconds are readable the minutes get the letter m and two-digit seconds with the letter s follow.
8h50
